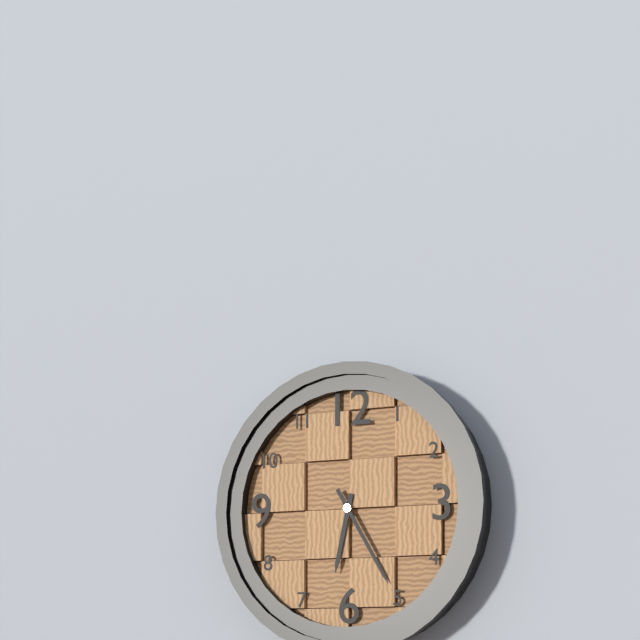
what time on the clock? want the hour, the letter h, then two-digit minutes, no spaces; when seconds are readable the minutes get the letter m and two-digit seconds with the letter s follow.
6h25
